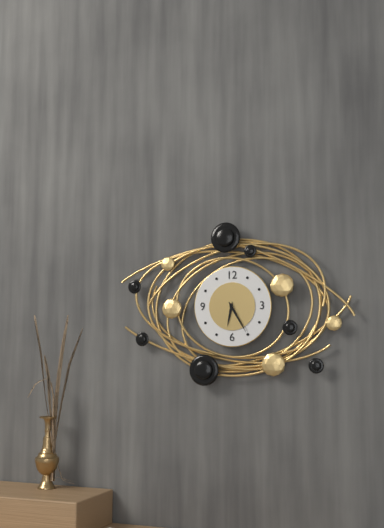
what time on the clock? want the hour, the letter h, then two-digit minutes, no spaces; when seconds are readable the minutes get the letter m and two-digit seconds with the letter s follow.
6h25
